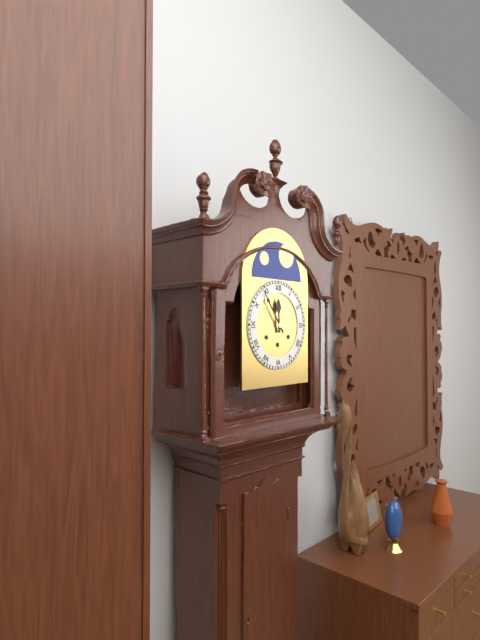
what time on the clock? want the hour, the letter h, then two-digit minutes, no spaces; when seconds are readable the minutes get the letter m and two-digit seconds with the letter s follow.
11h54
